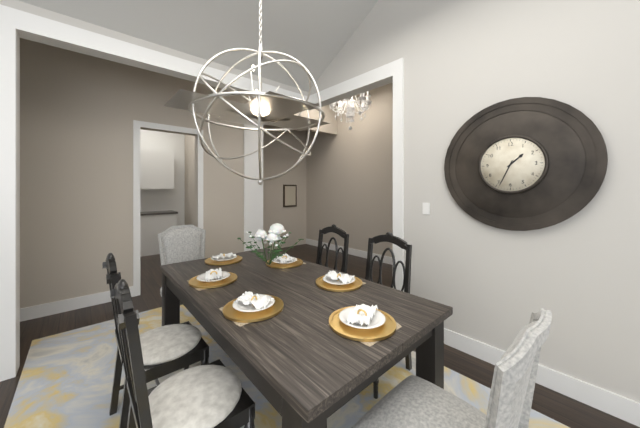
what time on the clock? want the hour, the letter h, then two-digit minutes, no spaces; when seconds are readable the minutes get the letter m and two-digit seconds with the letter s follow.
1h34
